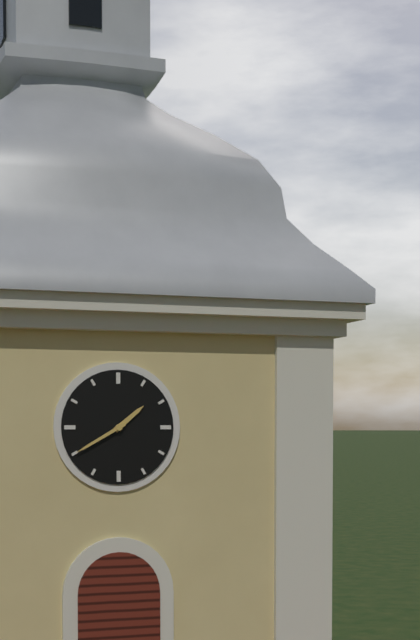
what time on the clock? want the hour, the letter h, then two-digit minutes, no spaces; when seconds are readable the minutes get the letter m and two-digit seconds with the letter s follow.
1h40
